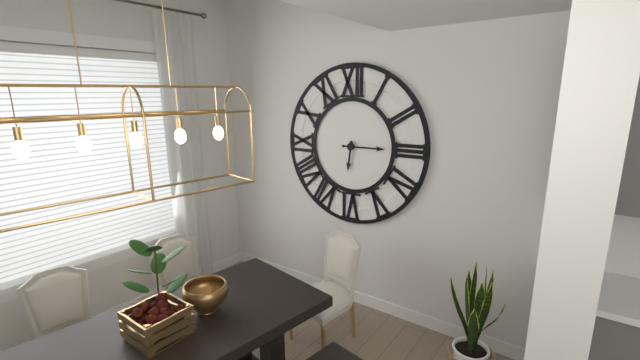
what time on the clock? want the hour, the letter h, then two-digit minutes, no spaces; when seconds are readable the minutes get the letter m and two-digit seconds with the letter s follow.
6h15
